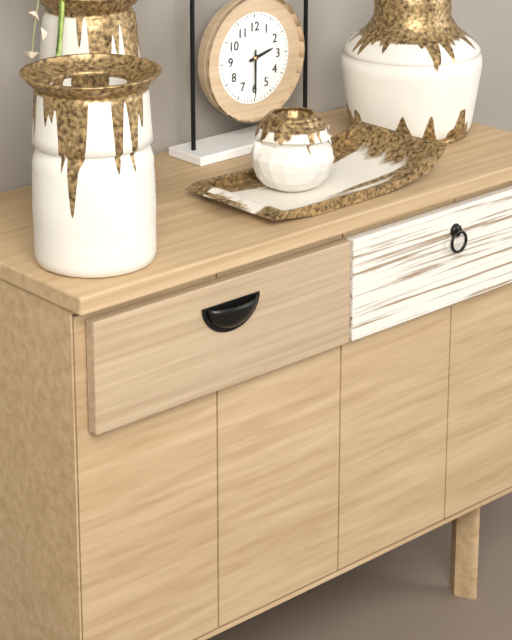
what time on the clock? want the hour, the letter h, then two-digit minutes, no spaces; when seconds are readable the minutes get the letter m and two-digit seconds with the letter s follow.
2h30
